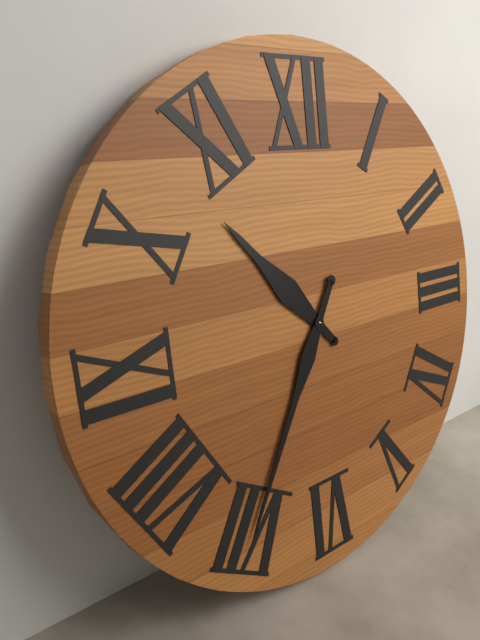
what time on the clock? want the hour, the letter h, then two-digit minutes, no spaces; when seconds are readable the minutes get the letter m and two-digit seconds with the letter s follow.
10h35
